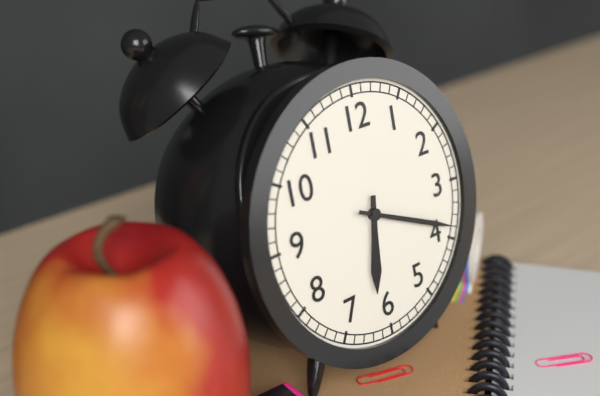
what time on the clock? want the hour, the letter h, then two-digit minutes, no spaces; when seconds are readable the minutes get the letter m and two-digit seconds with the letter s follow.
6h19
